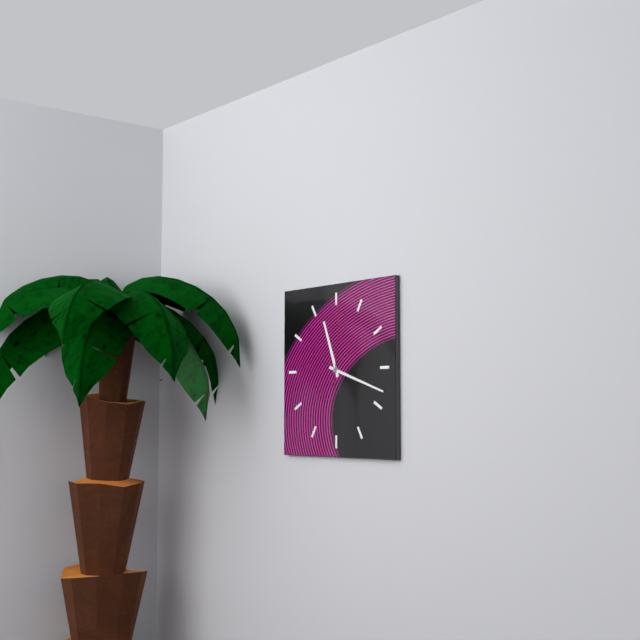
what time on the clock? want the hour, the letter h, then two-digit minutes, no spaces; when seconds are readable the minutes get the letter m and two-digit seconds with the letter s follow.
11h18m01s
